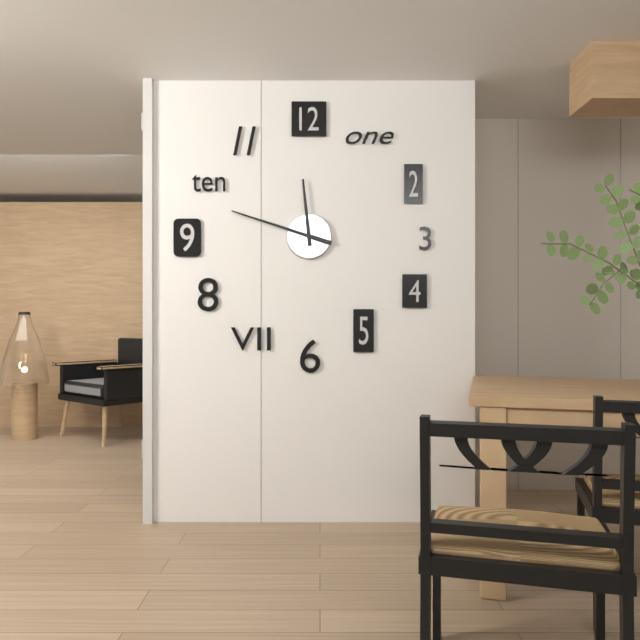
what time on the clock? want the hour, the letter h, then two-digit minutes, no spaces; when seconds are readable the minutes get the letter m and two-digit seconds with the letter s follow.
11h48
